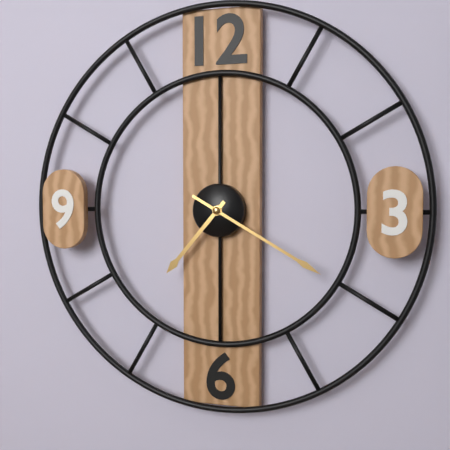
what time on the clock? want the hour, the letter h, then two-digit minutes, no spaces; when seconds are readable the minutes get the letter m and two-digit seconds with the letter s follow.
7h20
